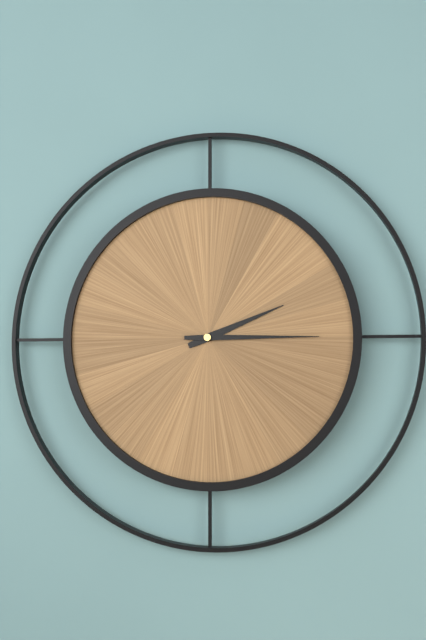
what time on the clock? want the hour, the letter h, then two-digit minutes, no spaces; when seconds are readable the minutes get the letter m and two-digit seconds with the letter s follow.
2h15
